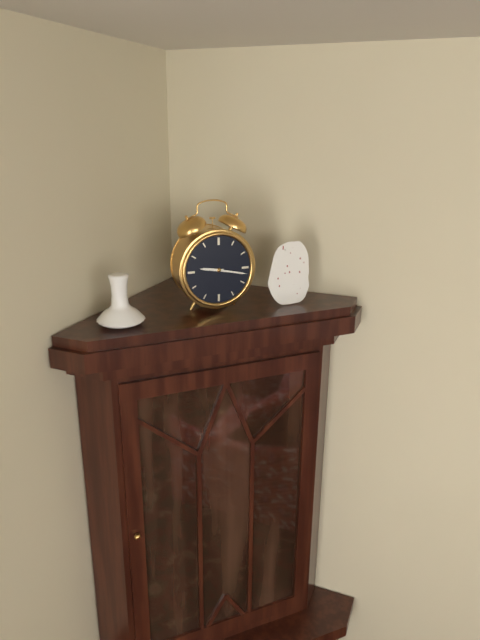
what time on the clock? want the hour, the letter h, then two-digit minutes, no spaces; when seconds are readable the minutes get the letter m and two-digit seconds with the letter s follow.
9h17
